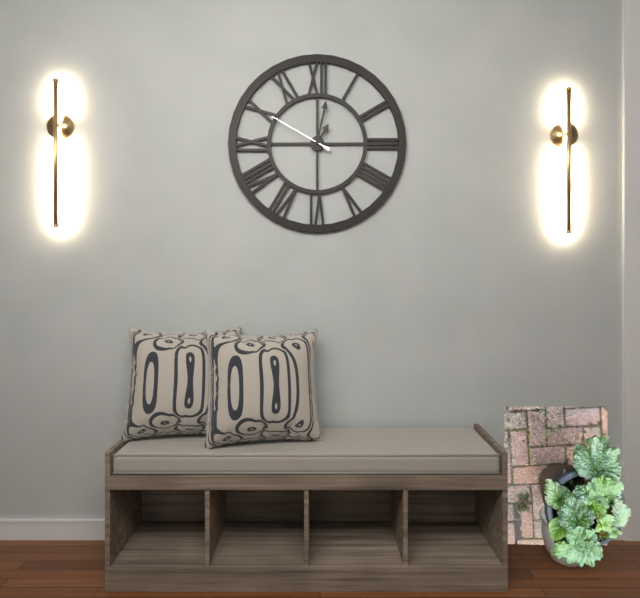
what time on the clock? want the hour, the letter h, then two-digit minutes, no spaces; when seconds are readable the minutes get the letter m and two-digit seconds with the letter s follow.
1h02m50s
